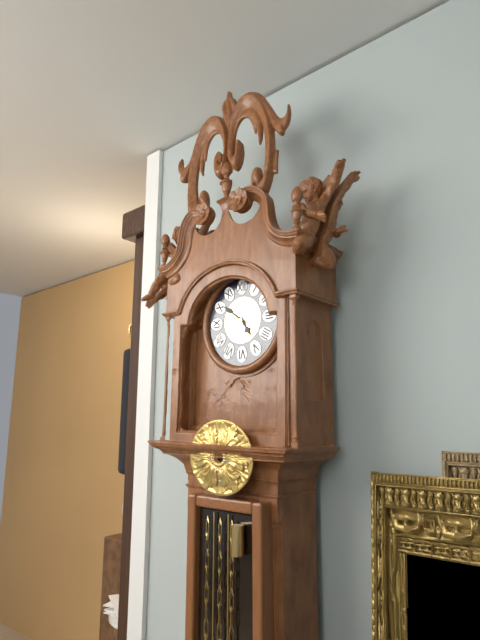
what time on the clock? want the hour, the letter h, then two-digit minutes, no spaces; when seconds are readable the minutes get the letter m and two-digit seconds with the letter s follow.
4h51
